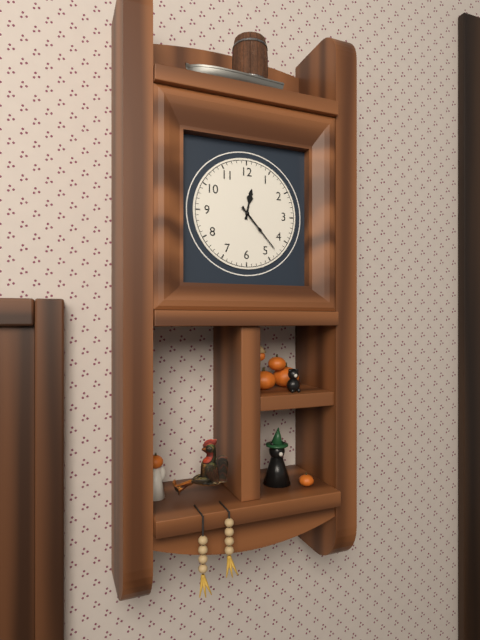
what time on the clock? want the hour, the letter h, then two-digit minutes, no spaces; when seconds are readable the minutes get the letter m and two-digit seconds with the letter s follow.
12h23
